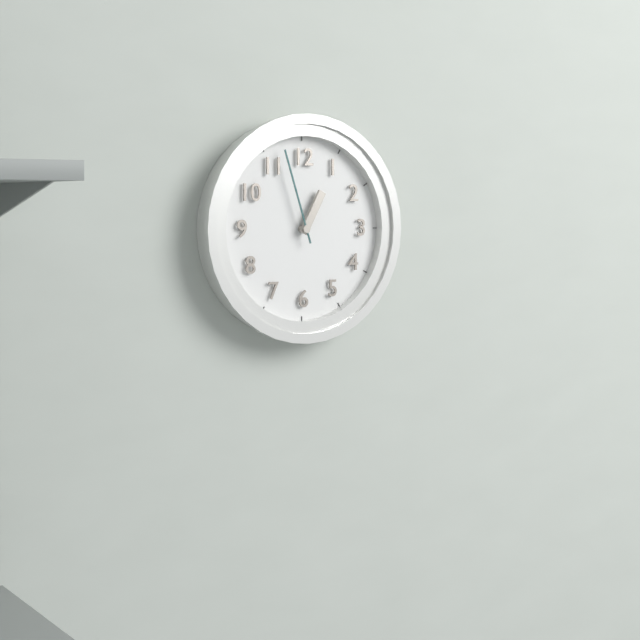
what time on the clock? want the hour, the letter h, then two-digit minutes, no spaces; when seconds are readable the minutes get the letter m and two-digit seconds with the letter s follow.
12h57
